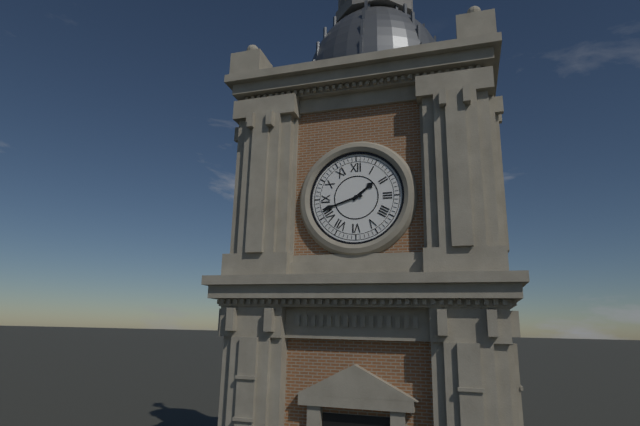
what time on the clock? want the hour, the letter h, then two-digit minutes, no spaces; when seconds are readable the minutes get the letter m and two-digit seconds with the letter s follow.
1h42
